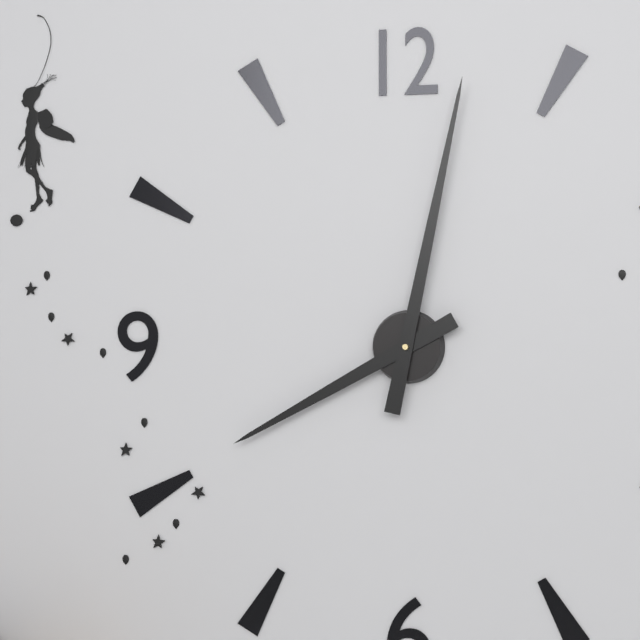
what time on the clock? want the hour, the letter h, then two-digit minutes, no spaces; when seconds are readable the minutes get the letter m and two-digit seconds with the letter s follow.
8h02
